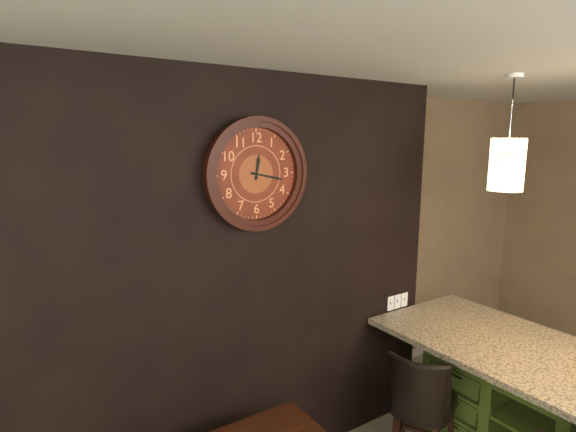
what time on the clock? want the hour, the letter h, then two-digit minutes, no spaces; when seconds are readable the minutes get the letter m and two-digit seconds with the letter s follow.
12h17
